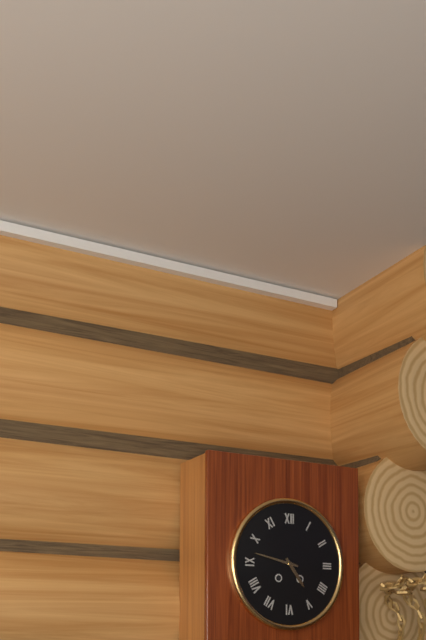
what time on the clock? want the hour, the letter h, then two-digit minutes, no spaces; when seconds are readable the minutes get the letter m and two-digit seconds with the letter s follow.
4h47
